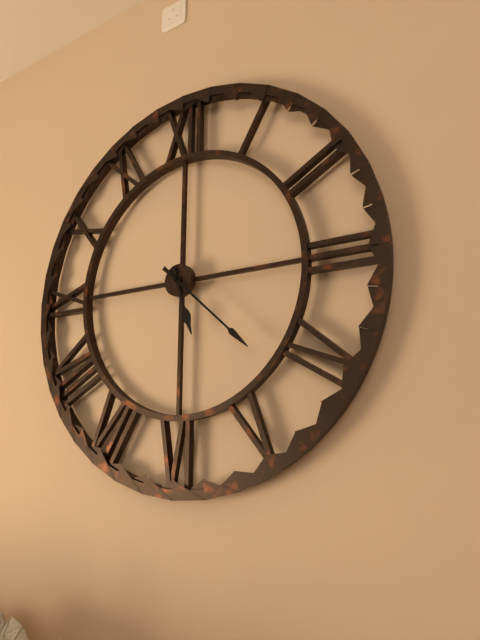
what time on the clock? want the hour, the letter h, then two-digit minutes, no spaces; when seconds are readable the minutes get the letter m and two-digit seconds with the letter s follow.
5h22
